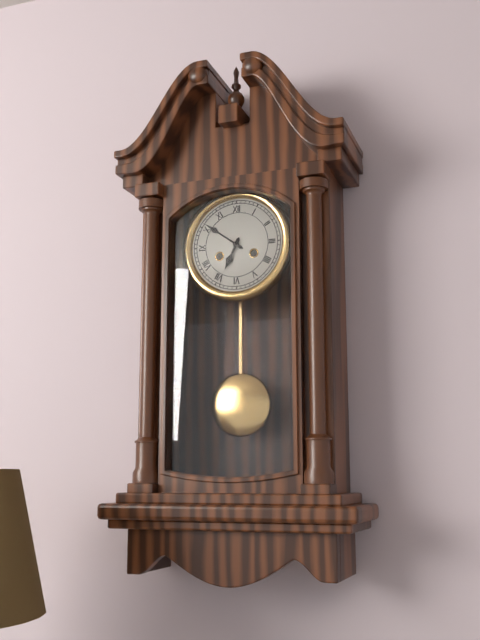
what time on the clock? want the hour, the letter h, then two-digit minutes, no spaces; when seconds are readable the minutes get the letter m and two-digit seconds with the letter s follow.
6h51
